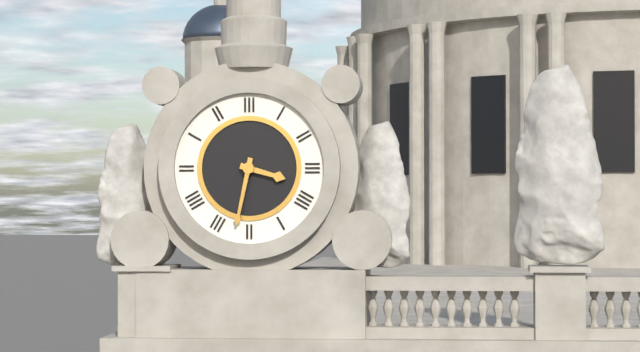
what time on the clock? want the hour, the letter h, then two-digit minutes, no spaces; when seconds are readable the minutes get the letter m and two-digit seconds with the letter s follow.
3h32
